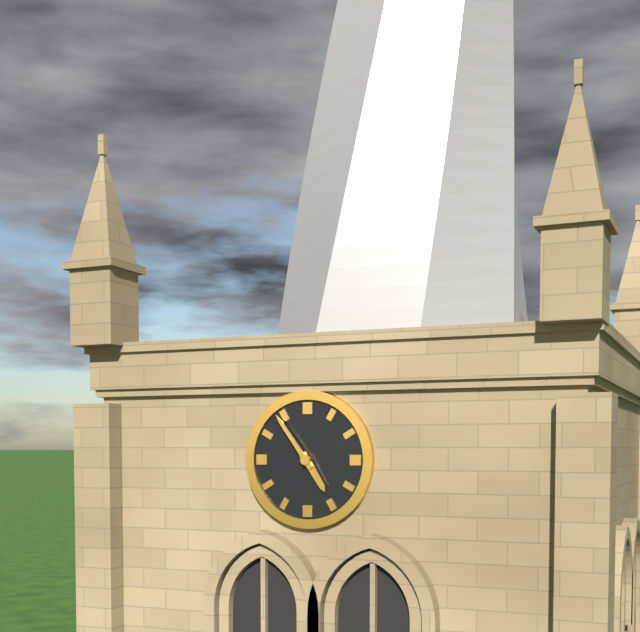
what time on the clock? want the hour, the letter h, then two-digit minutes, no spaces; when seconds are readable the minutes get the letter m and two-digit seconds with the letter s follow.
4h54
